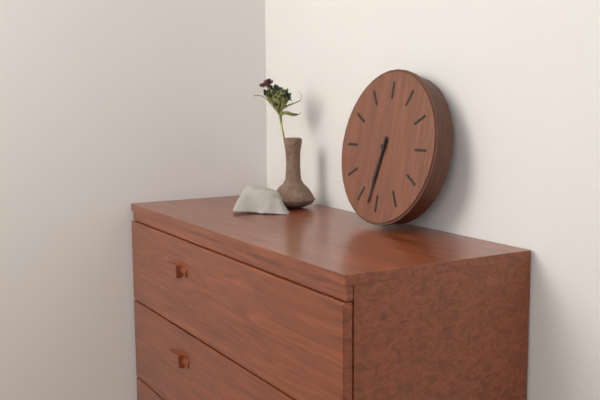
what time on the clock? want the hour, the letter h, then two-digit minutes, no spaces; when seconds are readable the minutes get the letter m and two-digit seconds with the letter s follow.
6h32
